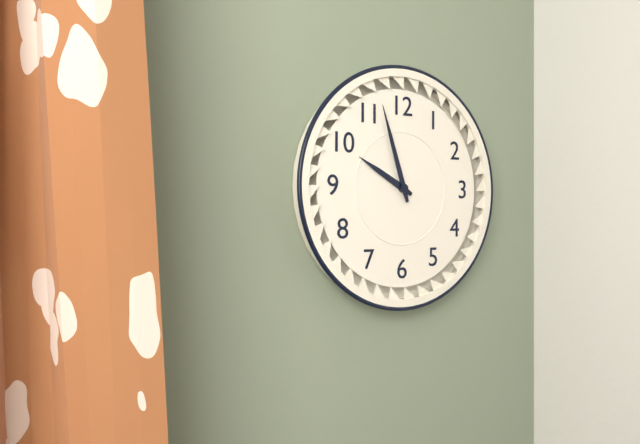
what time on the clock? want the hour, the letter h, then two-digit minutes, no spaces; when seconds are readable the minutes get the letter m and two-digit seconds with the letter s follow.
9h57
